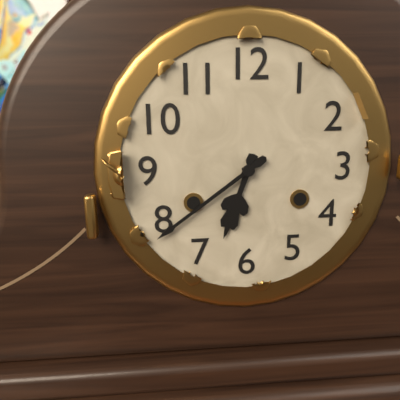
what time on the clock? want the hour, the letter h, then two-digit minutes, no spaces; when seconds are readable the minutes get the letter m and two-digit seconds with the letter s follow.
6h39
